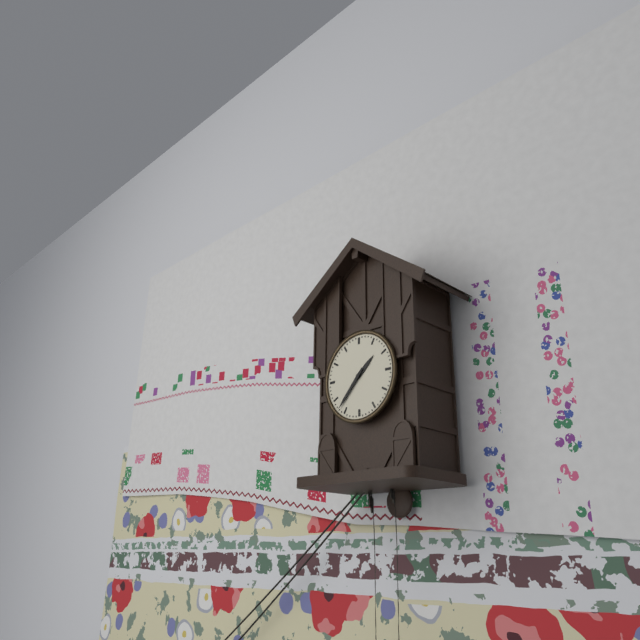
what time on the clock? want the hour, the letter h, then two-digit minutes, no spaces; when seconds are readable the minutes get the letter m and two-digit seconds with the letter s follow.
1h37
